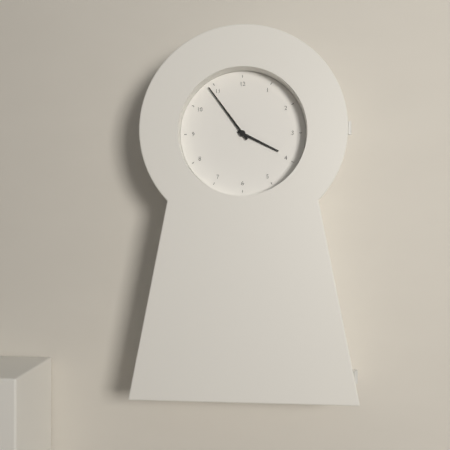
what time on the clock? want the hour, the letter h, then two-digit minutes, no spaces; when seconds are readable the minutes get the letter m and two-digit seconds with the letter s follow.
3h54
